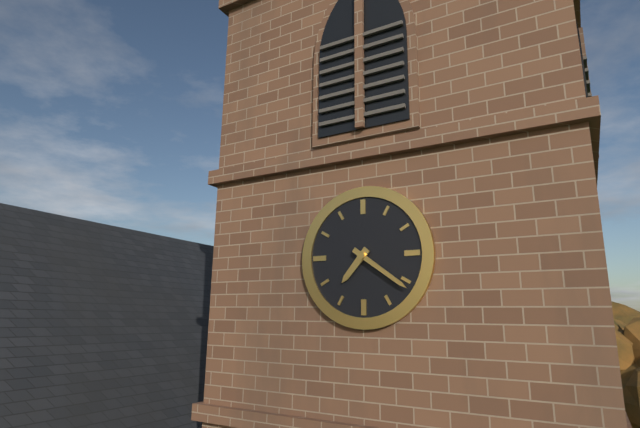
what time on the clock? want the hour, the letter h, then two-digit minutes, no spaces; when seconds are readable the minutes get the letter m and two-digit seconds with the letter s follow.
7h21
